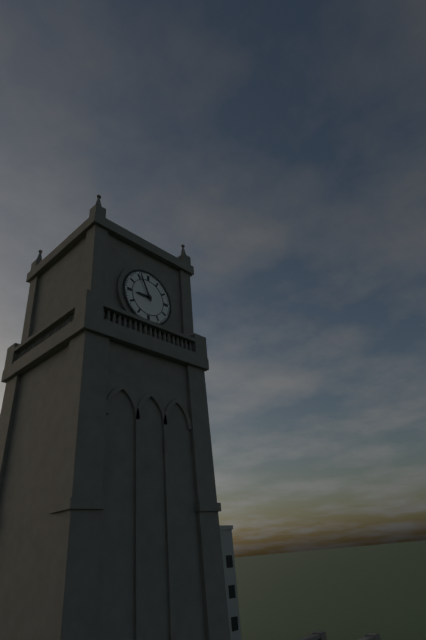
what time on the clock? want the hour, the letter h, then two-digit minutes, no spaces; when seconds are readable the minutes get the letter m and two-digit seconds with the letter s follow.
8h56
